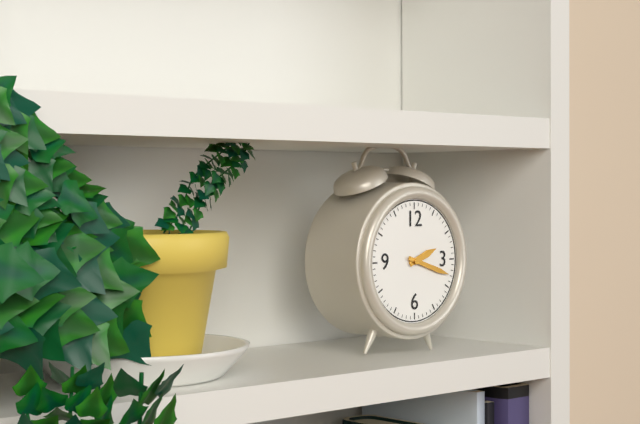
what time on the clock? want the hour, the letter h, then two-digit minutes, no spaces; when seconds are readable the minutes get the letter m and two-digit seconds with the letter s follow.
2h18
